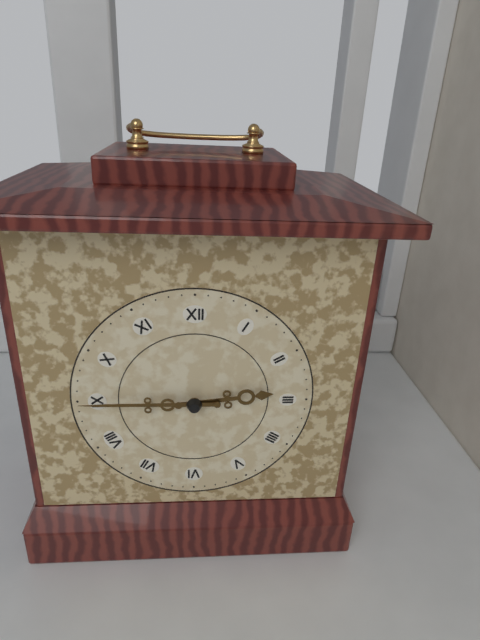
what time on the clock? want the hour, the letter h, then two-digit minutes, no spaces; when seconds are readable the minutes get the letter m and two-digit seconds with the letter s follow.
2h45
